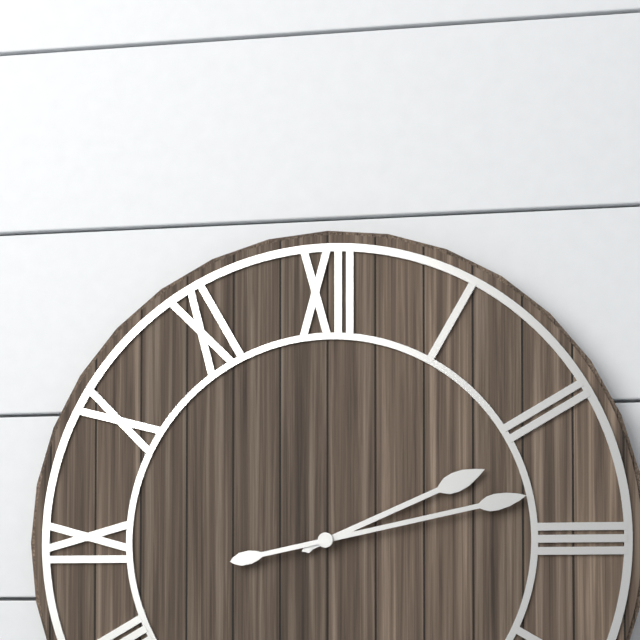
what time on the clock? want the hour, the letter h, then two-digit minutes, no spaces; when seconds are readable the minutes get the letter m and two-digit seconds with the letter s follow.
2h13
